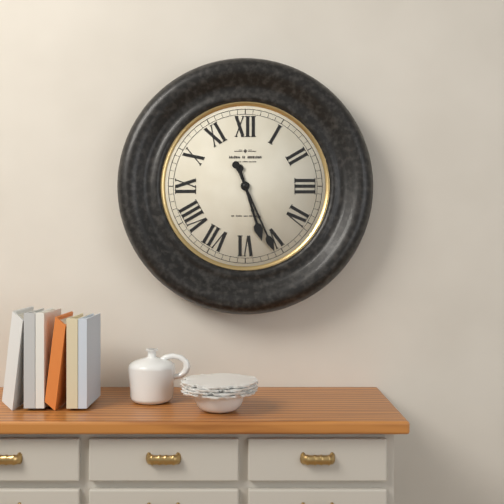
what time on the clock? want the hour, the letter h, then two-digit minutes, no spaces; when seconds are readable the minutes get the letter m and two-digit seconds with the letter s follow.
5h26
